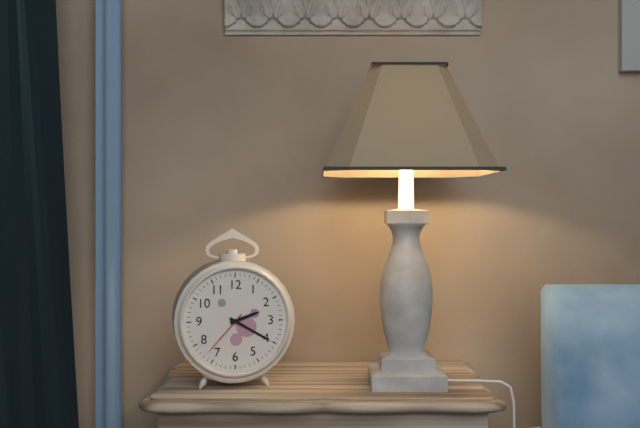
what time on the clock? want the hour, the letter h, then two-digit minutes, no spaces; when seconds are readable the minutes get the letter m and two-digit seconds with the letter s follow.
2h20m37s
